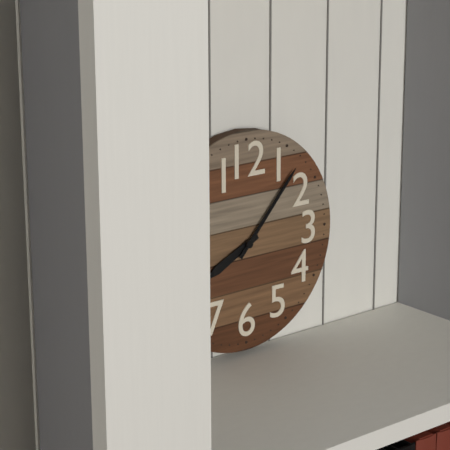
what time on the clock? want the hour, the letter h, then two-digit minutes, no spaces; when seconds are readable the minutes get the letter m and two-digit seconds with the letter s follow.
8h07
